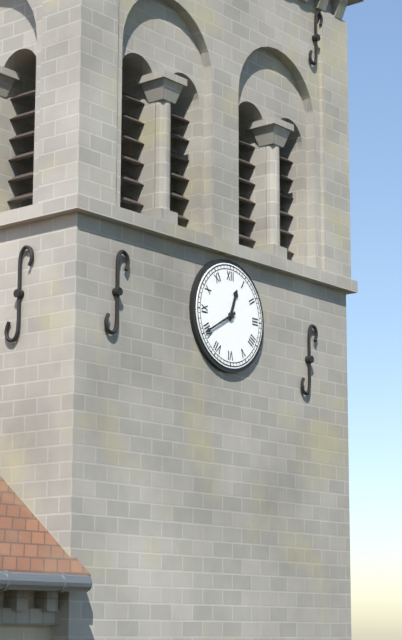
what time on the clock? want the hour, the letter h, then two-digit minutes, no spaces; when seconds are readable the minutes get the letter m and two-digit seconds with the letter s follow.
12h40
